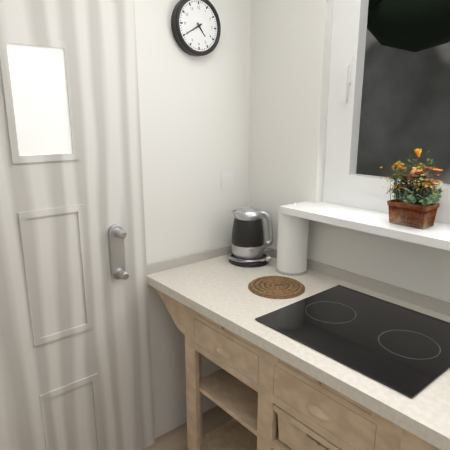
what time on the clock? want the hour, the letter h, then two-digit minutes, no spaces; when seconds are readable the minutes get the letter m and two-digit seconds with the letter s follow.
4h40
